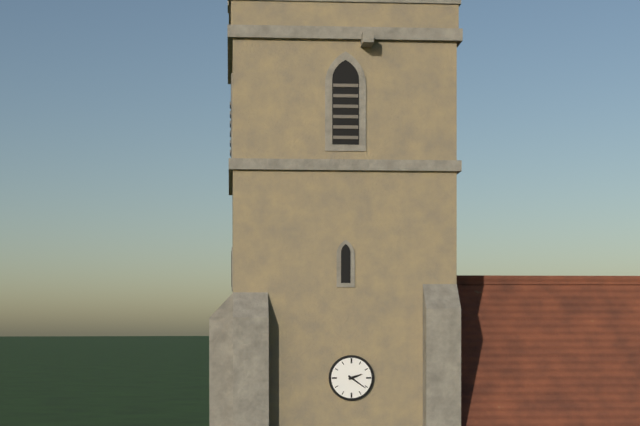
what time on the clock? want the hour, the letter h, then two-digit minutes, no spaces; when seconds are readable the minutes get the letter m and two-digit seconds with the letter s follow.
2h21
